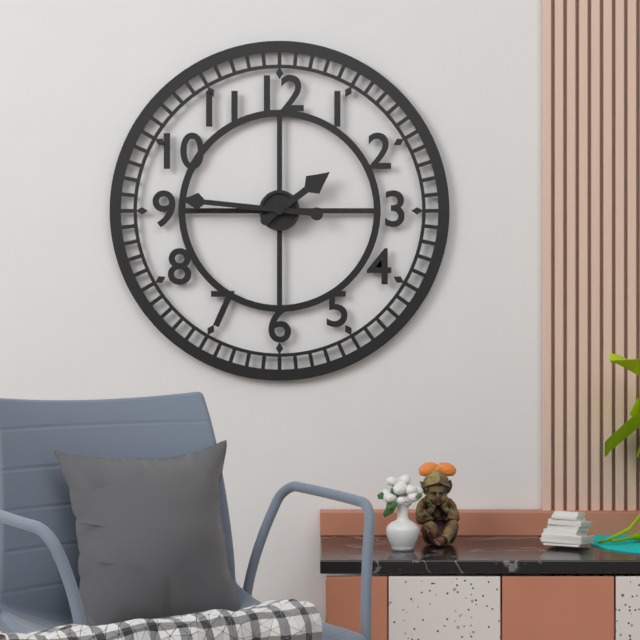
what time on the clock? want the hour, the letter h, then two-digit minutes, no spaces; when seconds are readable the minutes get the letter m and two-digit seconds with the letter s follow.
1h46
